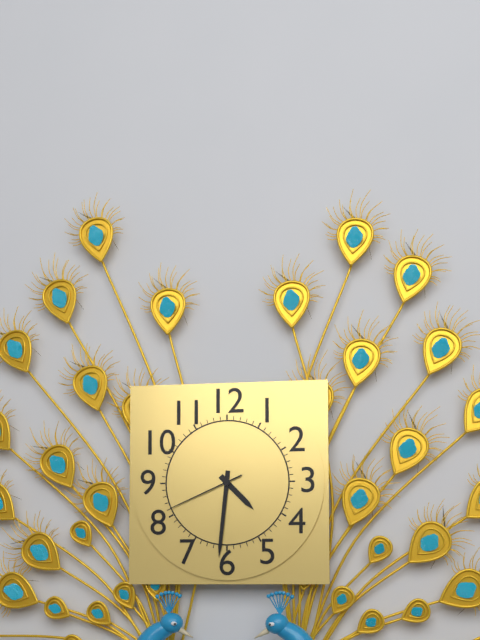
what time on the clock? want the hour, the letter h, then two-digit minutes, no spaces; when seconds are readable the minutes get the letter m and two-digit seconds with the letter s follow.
4h31m41s
